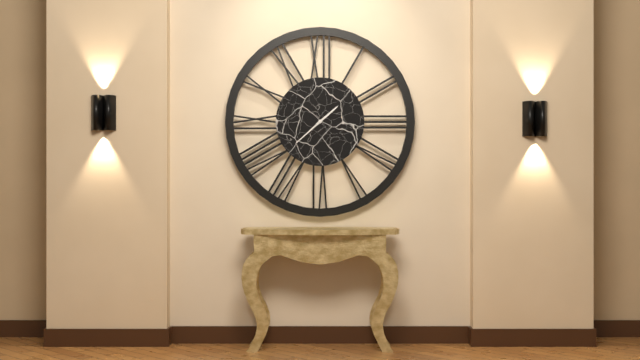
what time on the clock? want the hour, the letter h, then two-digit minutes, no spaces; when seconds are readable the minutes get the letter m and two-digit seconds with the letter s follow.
1h38
